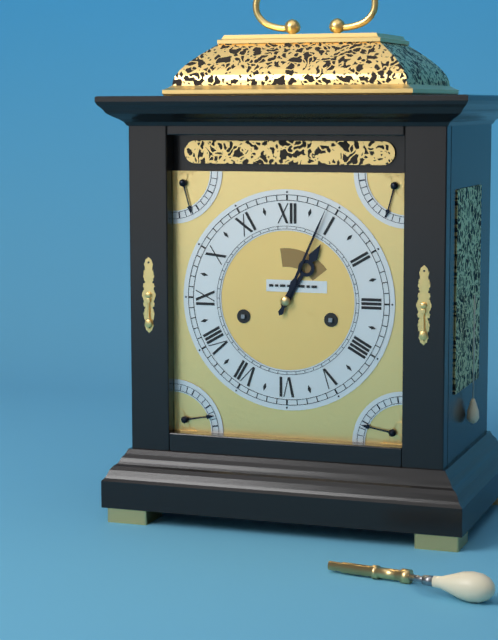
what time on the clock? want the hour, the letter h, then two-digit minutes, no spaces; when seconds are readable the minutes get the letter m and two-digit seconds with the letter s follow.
1h04
